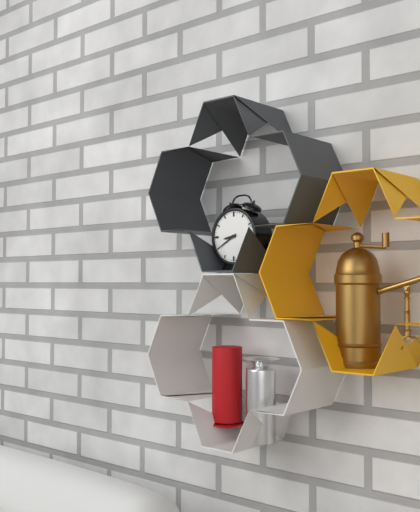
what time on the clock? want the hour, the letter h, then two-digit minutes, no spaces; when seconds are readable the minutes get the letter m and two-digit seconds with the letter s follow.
8h40
